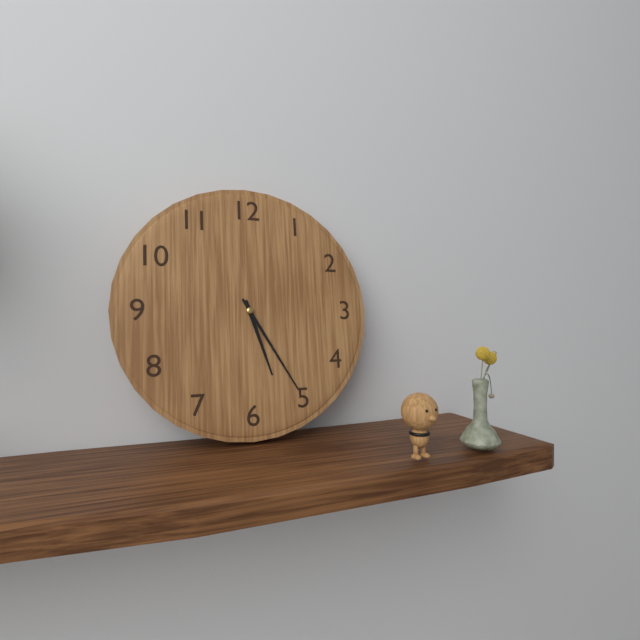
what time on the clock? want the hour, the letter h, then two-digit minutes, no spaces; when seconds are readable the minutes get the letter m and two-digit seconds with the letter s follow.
5h25
